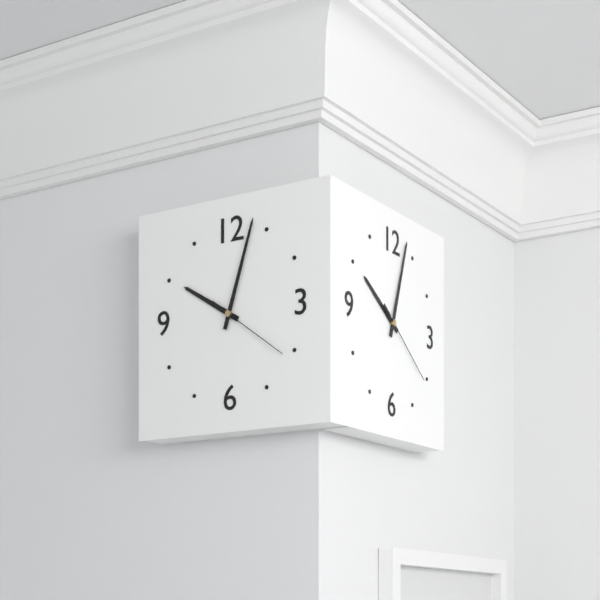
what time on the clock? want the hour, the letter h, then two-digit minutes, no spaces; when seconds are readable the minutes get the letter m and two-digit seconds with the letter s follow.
10h03m21s
